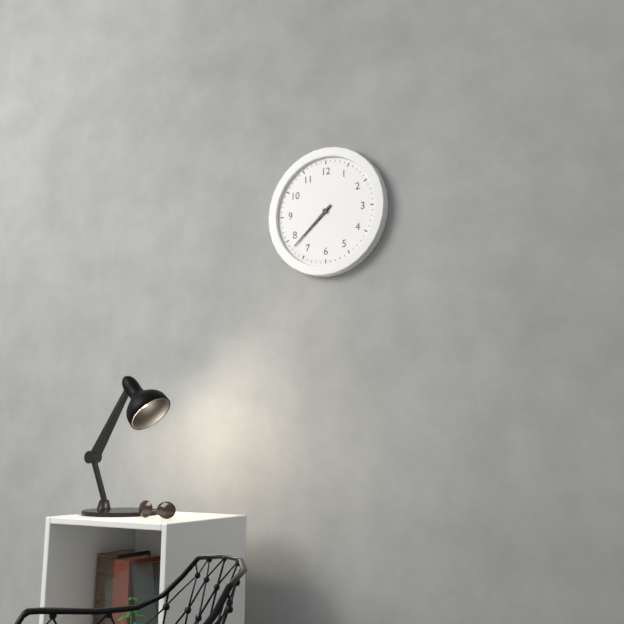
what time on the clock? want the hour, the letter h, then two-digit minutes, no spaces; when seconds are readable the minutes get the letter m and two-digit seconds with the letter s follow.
7h38
